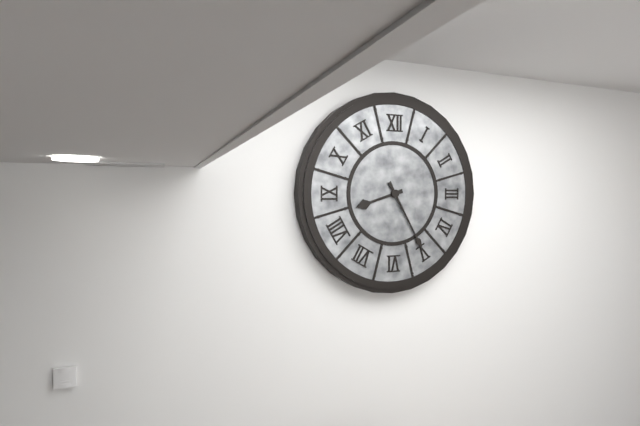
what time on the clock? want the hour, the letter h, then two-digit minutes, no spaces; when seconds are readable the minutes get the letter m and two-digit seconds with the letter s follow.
8h25
